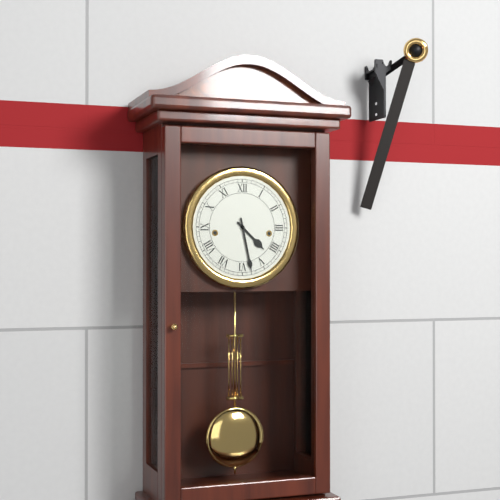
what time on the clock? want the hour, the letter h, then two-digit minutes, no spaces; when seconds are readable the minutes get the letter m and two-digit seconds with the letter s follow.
4h28
